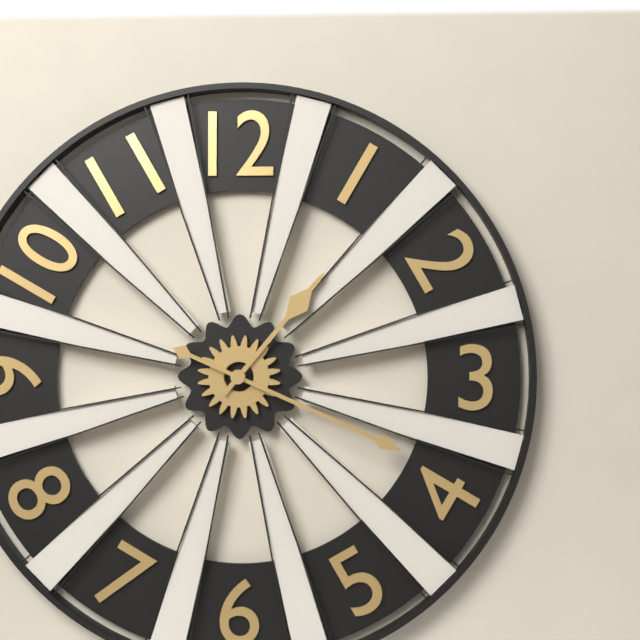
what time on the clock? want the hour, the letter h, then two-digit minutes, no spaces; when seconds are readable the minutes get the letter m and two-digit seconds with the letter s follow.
1h19
